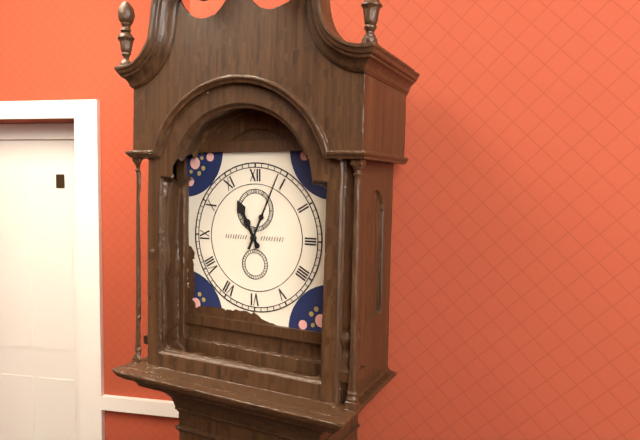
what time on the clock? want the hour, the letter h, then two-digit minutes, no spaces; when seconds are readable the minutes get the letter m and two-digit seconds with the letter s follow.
11h04
